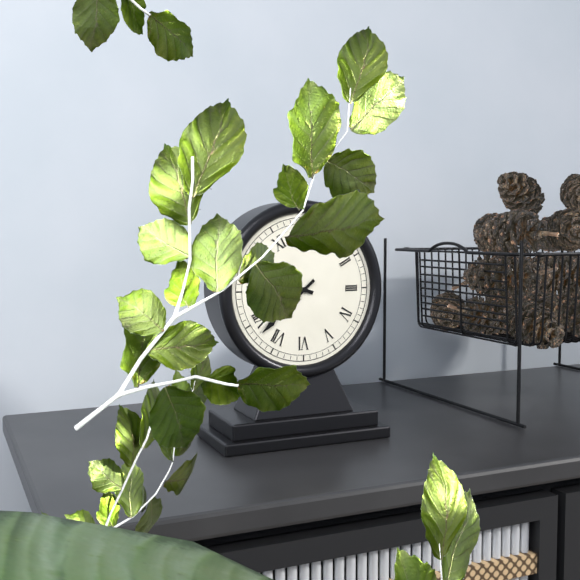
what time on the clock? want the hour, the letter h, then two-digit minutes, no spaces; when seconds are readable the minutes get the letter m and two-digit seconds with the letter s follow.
9h38
